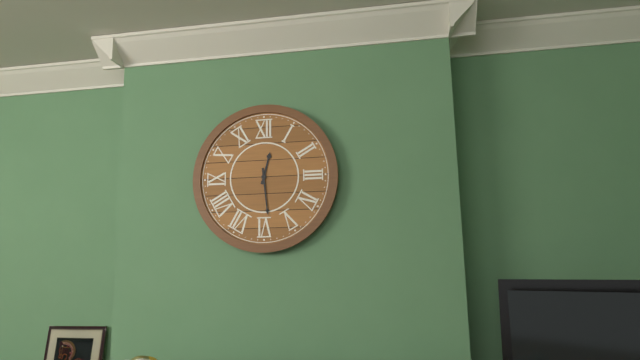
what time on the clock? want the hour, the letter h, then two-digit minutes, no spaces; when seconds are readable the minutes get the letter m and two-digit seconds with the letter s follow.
12h29
